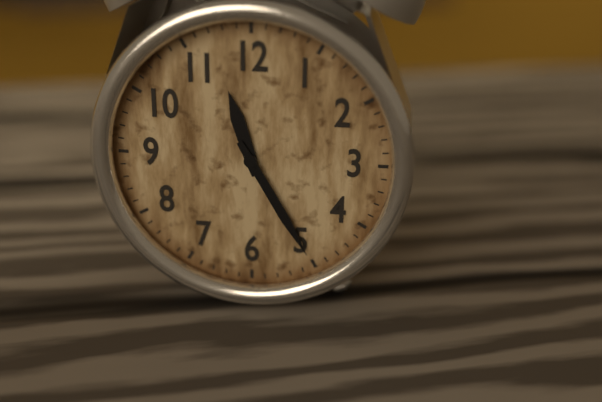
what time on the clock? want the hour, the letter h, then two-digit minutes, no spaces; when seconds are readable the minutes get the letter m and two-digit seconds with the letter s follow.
11h25
